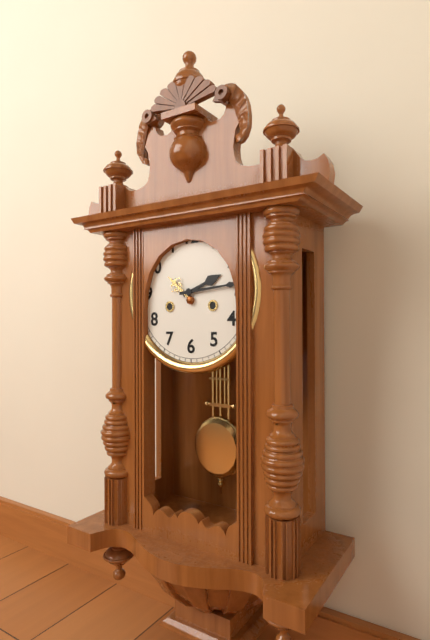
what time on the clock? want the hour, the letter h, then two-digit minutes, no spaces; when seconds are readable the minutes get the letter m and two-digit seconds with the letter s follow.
2h14
